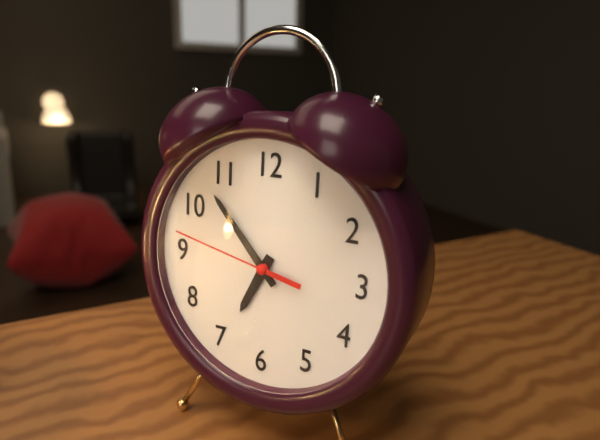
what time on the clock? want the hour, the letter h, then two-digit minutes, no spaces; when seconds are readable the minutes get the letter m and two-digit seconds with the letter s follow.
6h53m47s
